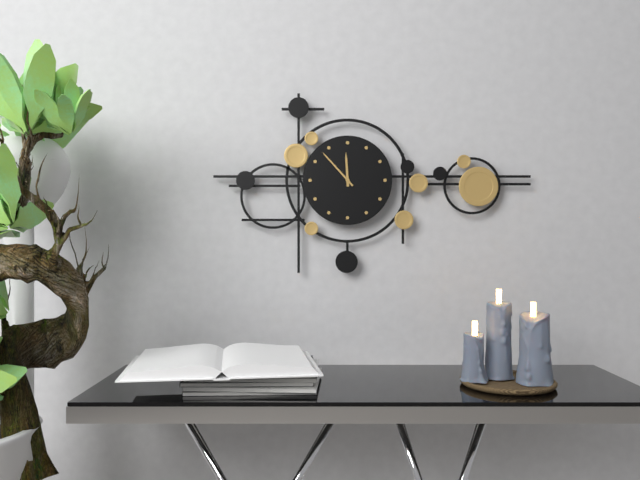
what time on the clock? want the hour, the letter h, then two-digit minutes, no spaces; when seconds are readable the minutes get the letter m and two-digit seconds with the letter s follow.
11h53
